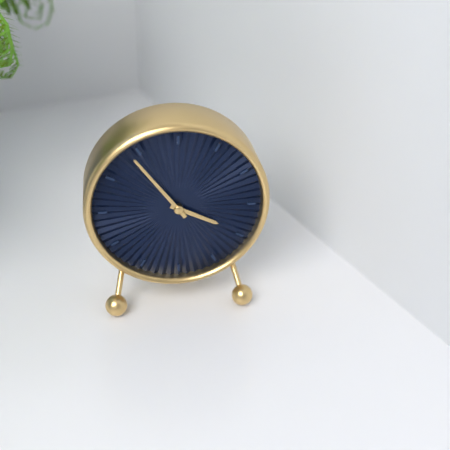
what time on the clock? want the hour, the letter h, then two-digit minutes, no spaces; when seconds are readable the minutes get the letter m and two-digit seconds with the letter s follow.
3h54
